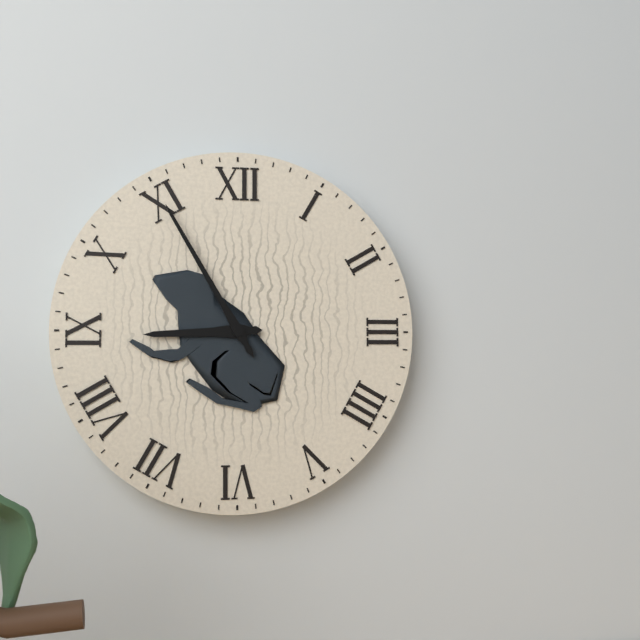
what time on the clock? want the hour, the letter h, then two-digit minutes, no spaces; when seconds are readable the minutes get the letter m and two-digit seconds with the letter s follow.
8h55
